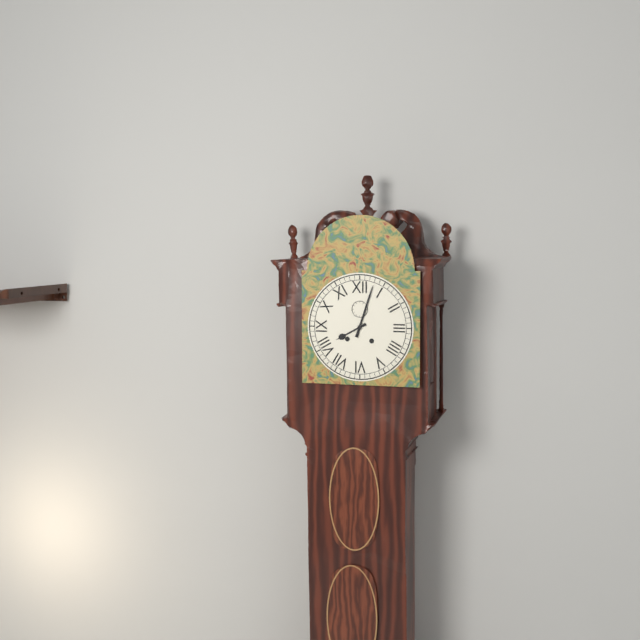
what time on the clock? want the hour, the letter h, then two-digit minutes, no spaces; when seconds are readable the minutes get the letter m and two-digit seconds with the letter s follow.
8h03
